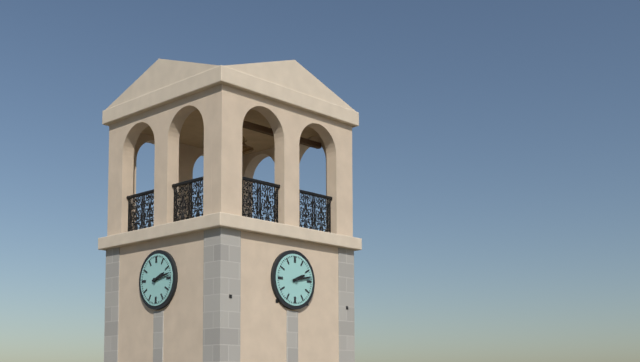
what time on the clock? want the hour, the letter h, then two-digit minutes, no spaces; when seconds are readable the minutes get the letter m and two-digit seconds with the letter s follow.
2h13
